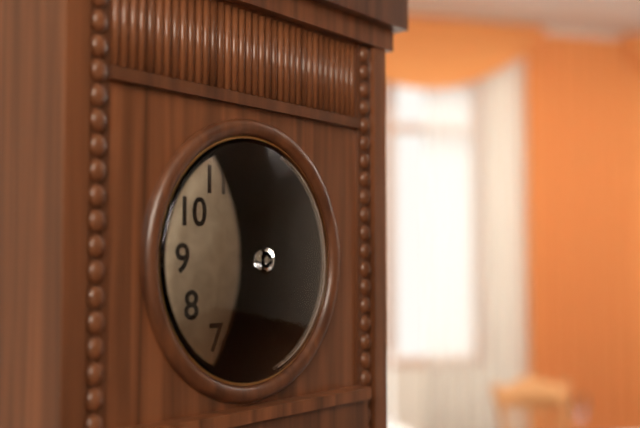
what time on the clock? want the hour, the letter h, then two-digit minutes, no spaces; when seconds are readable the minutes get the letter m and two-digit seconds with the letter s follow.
3h34
